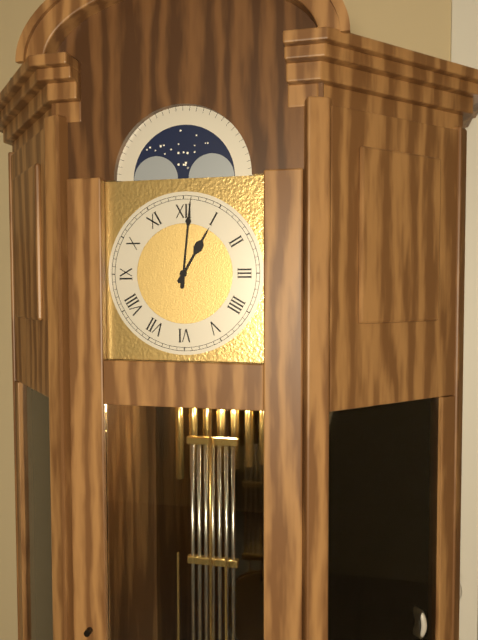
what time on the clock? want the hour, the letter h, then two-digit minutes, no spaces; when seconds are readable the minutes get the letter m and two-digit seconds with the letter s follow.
1h01
